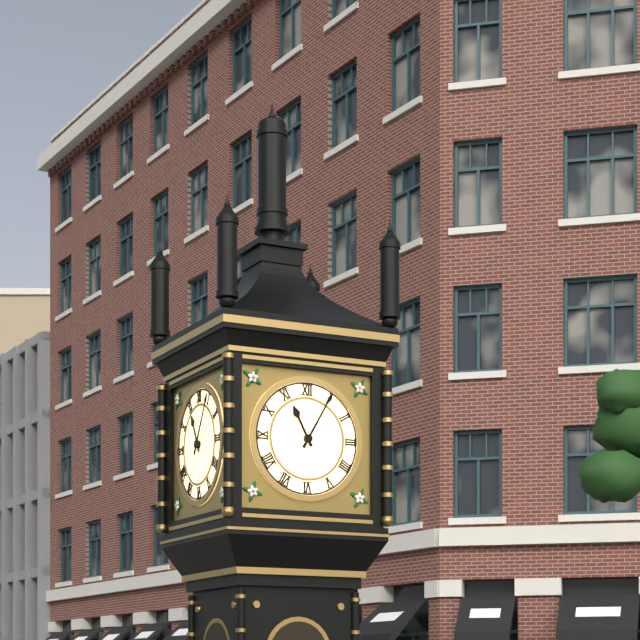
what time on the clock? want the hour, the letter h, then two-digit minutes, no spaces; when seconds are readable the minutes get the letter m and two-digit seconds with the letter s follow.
11h05
